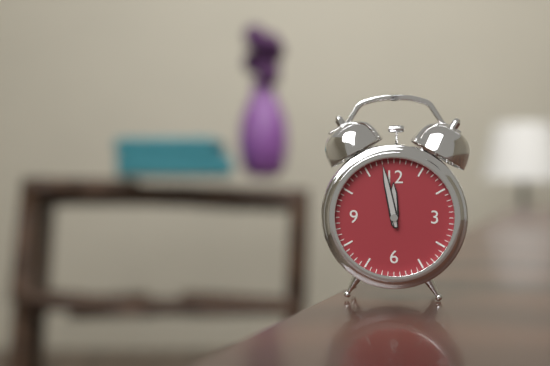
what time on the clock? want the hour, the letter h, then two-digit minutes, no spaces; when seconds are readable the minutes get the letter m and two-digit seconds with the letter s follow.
11h58
